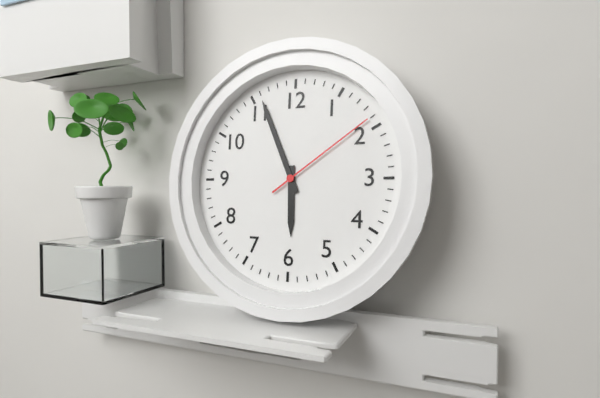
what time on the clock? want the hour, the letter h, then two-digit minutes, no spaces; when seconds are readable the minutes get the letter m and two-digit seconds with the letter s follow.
5h56m09s
